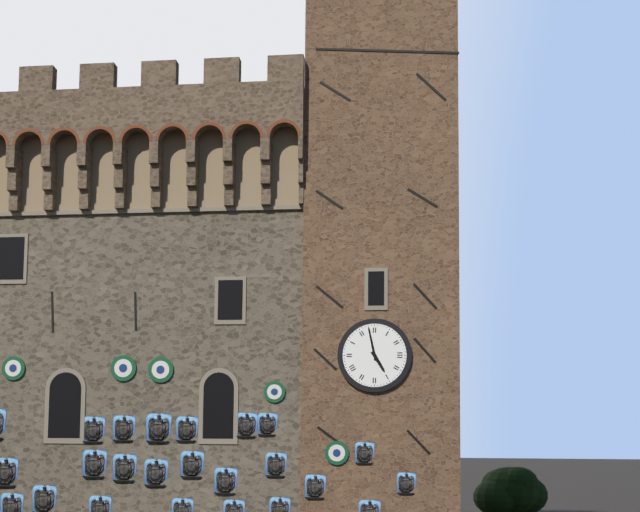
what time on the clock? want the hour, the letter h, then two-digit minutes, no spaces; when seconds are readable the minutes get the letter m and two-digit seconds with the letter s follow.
4h58
